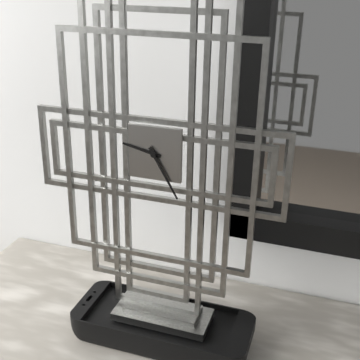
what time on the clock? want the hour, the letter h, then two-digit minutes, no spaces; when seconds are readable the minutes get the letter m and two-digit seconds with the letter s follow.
9h25
